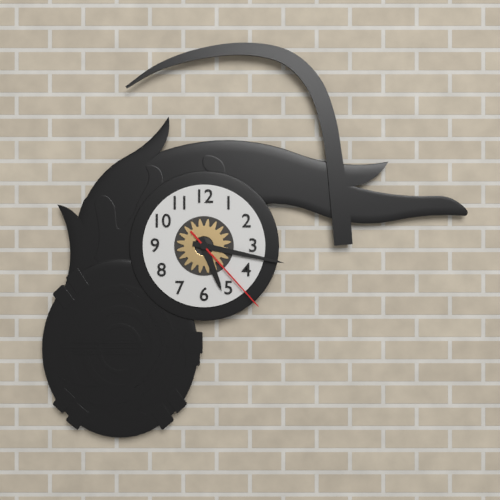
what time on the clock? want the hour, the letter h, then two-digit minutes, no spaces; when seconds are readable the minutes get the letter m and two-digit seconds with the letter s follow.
5h17m23s
